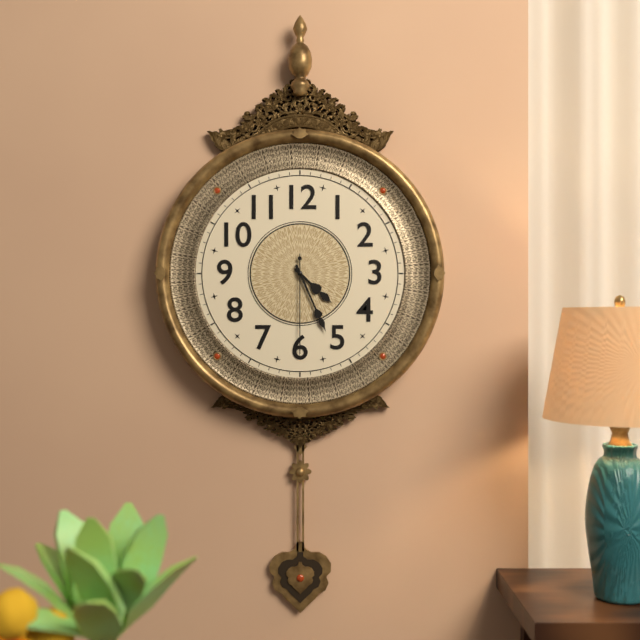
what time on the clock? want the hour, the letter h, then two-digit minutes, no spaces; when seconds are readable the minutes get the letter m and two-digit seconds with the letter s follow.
4h26m30s
